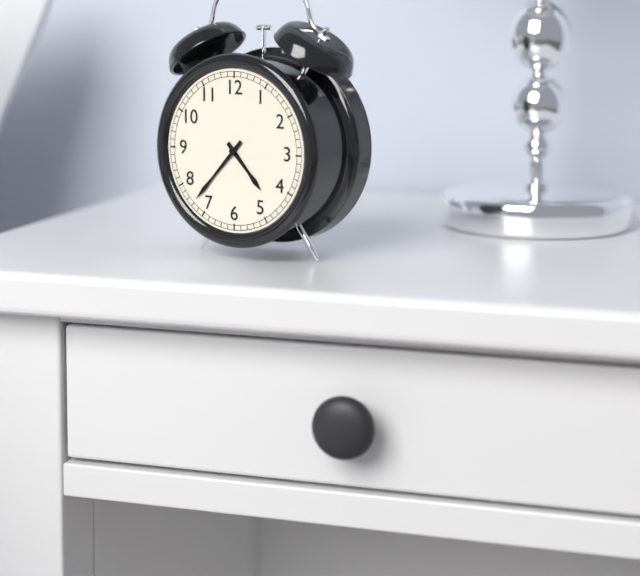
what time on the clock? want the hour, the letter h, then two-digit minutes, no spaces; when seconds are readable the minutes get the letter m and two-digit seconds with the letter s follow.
4h37
